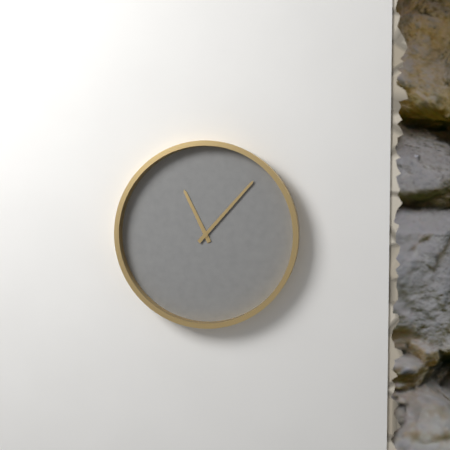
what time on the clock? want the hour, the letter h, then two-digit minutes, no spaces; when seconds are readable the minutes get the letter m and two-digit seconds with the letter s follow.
11h07
